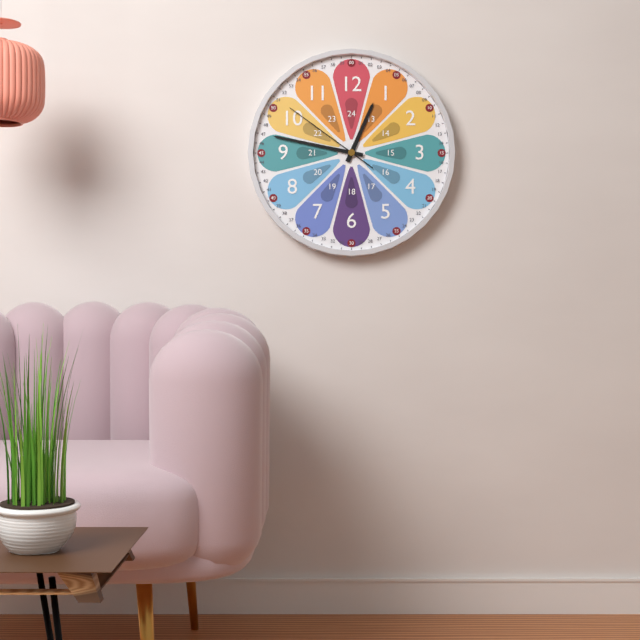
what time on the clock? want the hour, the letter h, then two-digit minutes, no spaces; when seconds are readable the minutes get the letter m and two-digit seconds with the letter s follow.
12h47m51s
